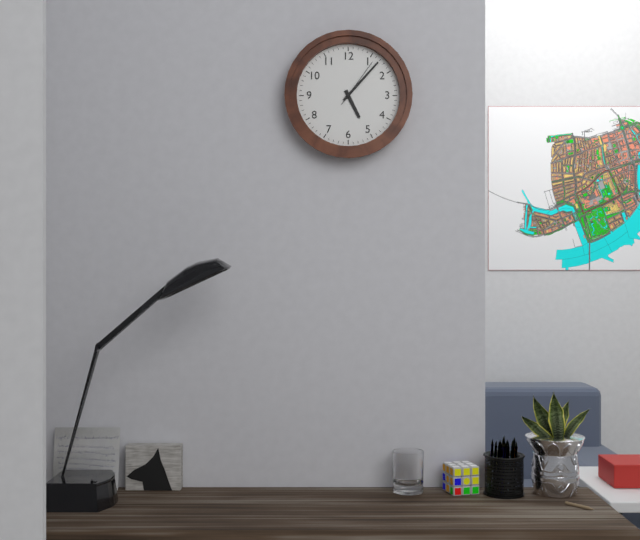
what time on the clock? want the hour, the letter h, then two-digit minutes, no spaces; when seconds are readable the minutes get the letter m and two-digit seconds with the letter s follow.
5h07m06s
